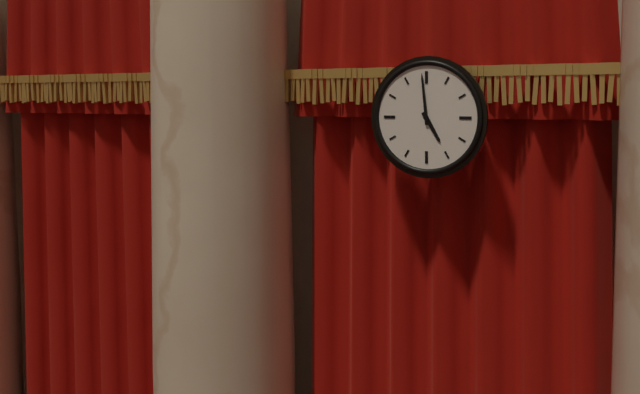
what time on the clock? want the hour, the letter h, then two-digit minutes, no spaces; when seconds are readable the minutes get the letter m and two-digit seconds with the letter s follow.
4h59
